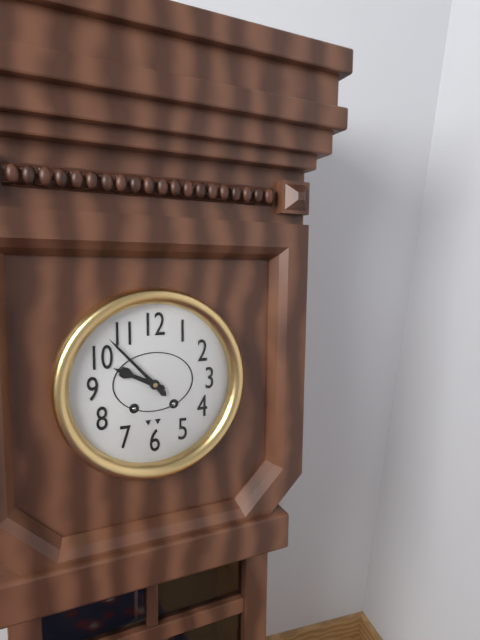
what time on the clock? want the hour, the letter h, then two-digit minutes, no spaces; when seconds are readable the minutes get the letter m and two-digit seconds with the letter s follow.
9h53
